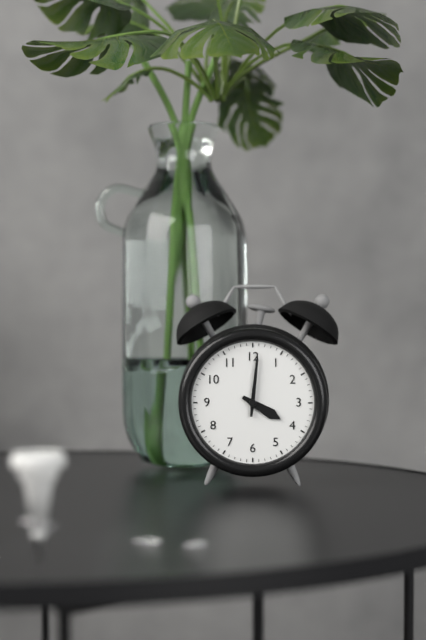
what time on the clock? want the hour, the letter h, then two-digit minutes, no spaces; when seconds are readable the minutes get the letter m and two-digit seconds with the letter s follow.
4h01
